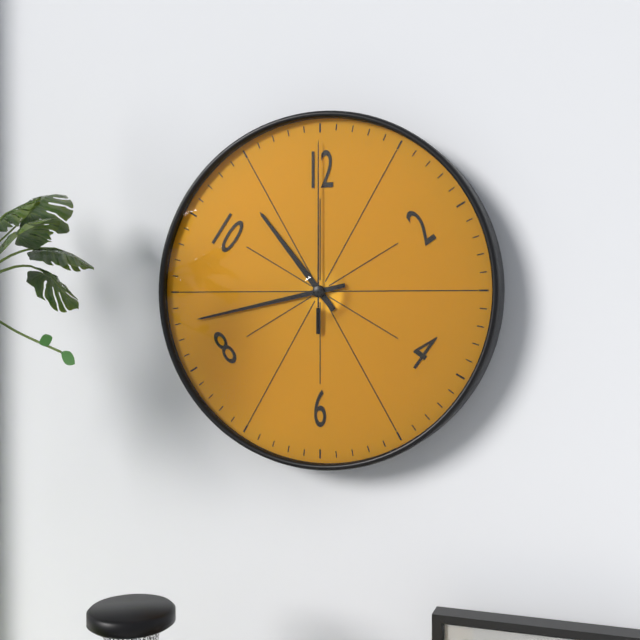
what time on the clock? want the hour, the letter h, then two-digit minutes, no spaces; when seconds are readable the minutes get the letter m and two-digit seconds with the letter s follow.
10h43m00s
